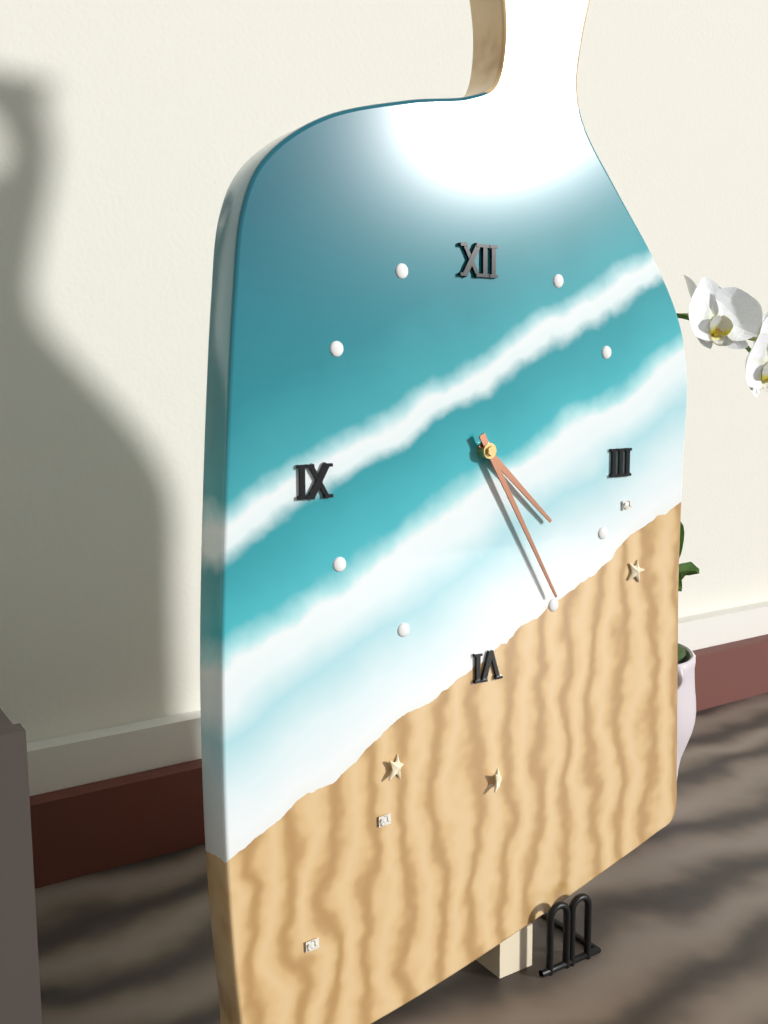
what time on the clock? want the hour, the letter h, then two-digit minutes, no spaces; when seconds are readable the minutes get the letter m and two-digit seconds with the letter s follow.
4h25
